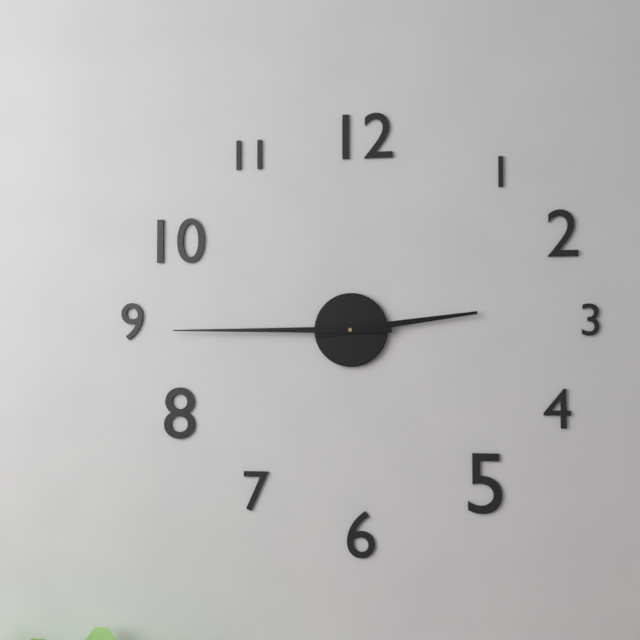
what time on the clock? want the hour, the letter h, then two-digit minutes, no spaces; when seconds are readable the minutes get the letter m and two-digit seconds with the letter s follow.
2h45
